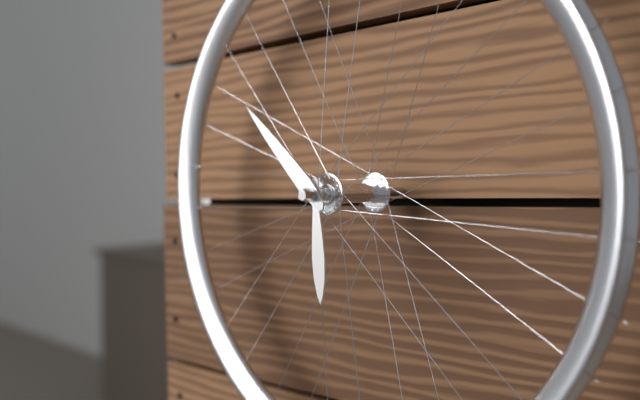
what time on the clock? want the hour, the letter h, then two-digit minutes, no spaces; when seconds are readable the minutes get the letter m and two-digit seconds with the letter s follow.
5h52
